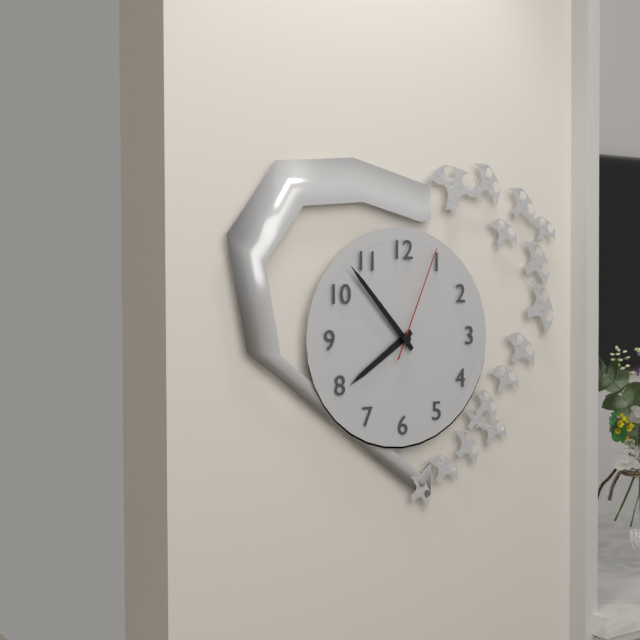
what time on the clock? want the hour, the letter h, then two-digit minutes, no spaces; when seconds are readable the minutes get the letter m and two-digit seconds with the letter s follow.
7h53m04s
